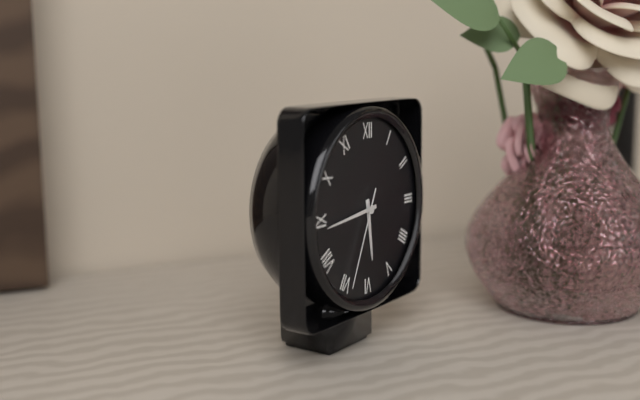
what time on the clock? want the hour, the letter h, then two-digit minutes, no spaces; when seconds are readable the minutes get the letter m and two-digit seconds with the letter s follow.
5h44m34s
